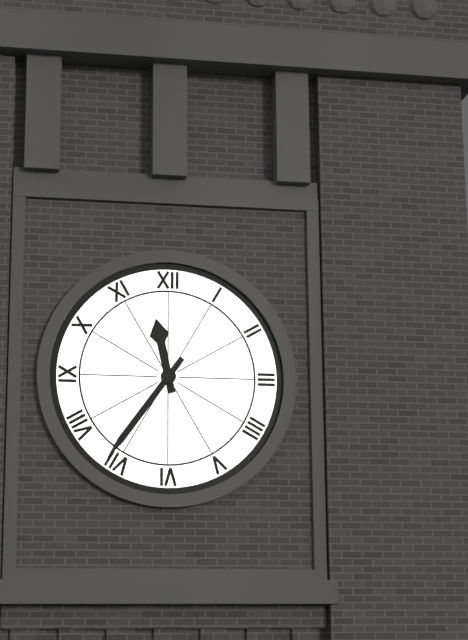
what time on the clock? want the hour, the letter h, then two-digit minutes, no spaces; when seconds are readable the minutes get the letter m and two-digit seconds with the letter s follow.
11h36
